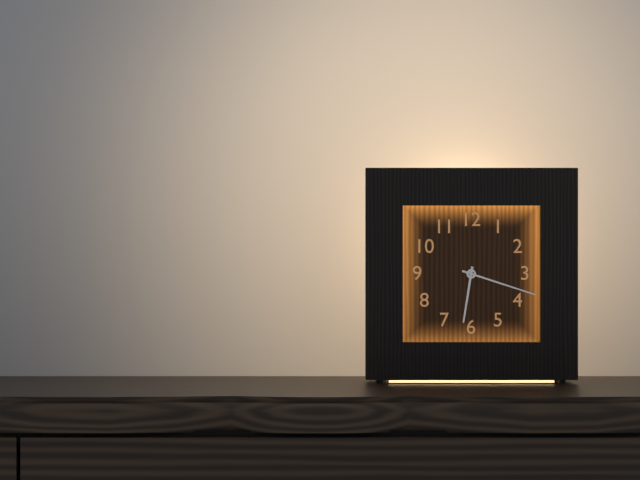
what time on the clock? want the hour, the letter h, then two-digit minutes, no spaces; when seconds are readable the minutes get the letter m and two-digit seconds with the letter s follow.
6h18
